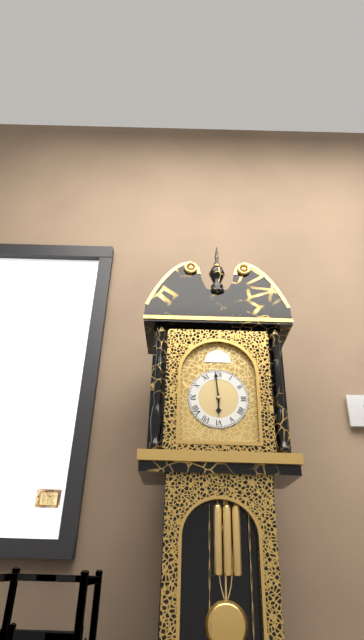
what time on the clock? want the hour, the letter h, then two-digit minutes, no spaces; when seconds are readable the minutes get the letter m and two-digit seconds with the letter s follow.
5h59
